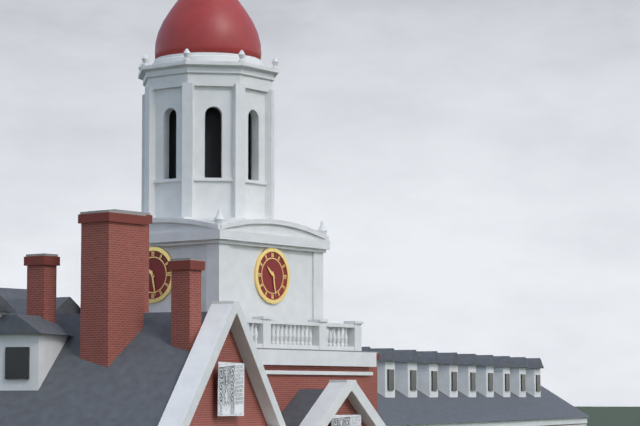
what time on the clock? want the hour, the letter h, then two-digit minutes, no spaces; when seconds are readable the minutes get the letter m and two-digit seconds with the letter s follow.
10h28
